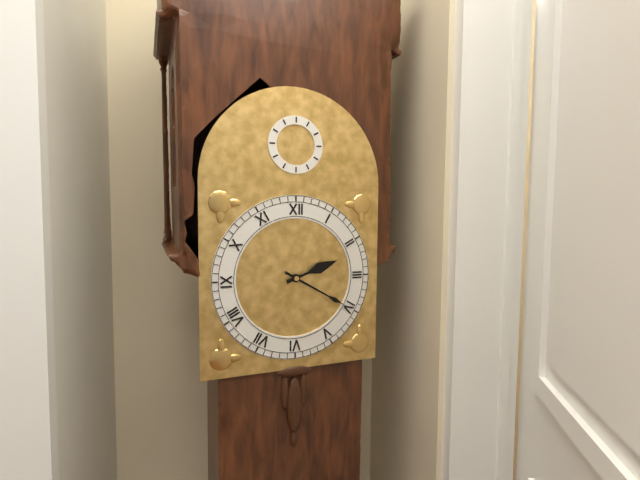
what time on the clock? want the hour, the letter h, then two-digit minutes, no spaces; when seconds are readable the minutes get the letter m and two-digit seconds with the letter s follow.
2h20
